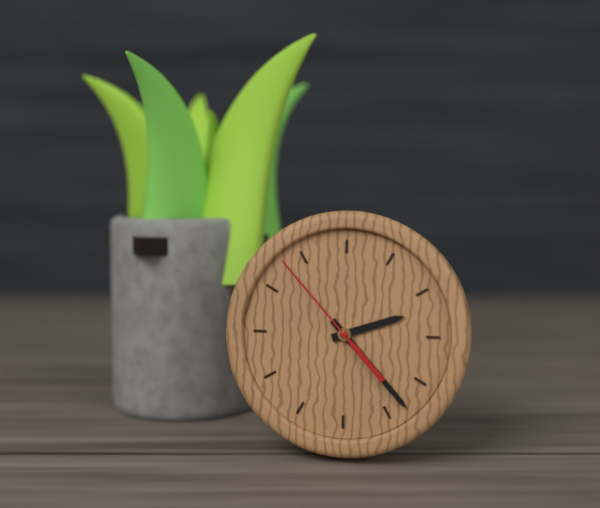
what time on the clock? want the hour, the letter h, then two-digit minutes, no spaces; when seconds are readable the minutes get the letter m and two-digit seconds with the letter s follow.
2h23m53s
